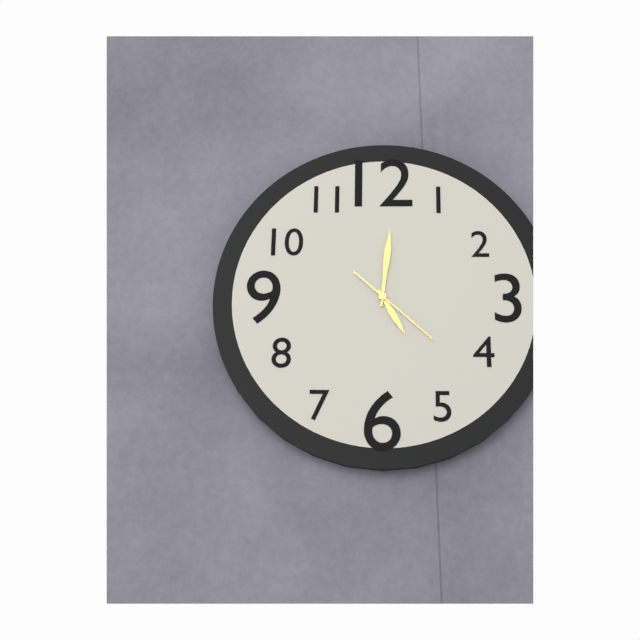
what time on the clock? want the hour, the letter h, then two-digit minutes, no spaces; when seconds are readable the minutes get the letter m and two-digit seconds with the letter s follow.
5h01m22s
